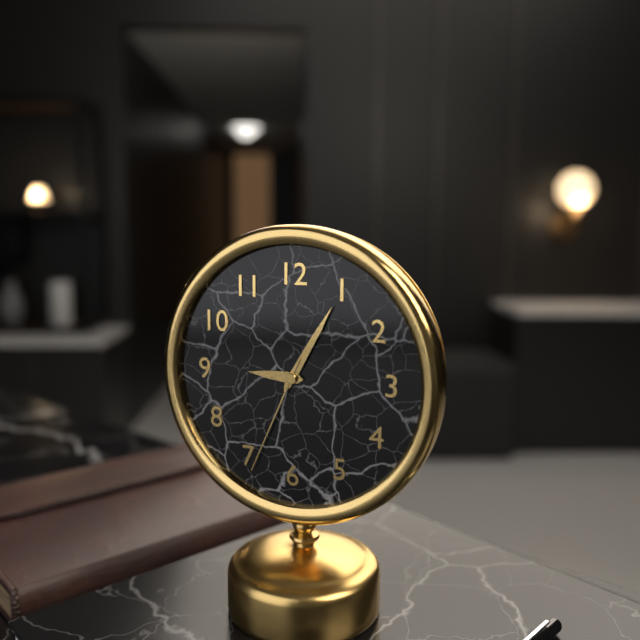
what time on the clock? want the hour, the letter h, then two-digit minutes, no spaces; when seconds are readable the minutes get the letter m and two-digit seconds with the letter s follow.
9h05m34s
